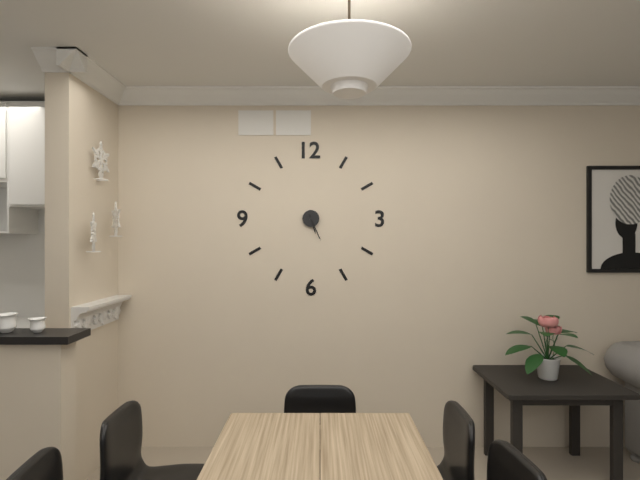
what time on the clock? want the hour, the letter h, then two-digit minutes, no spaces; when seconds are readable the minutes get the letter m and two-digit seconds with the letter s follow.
5h26
